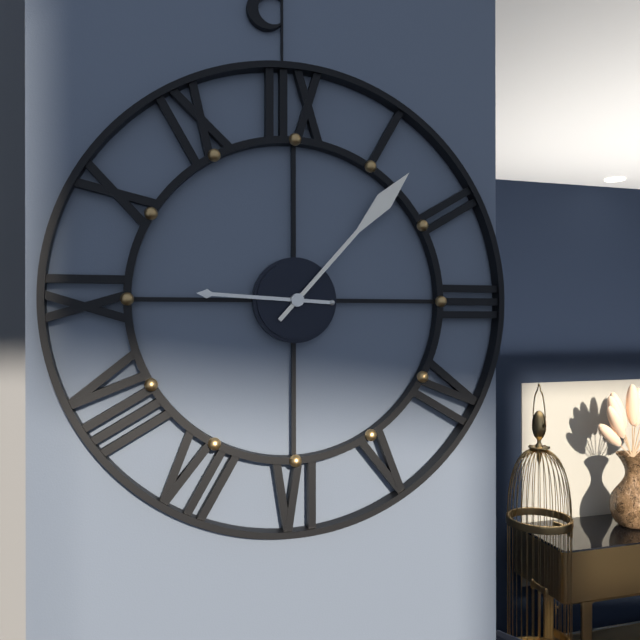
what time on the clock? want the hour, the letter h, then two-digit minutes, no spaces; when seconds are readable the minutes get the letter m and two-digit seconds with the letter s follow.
9h07
